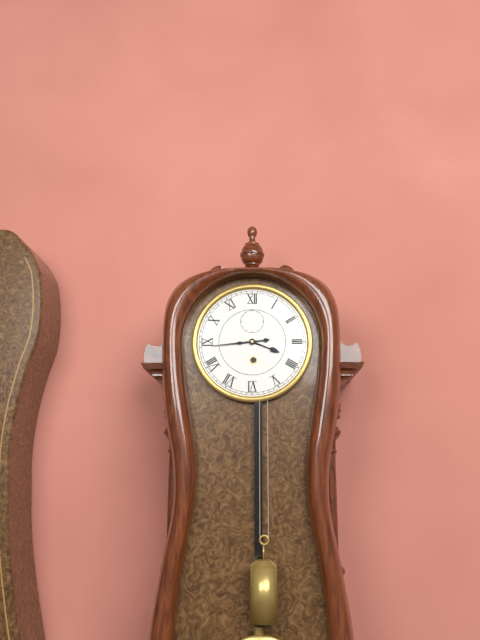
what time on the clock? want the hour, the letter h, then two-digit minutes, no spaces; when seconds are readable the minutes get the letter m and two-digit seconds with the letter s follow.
3h44
